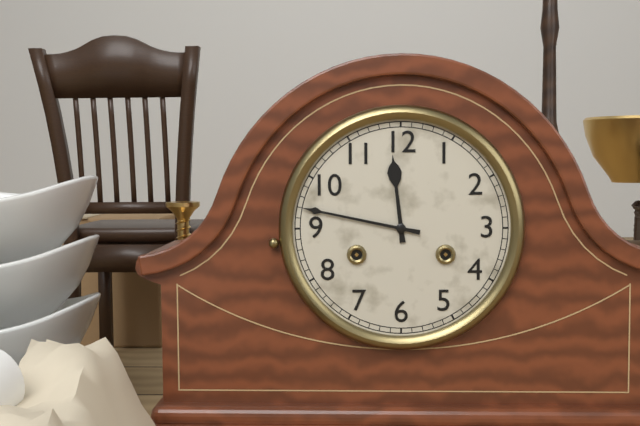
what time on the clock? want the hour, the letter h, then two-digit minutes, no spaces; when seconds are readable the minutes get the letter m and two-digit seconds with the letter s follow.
11h47
